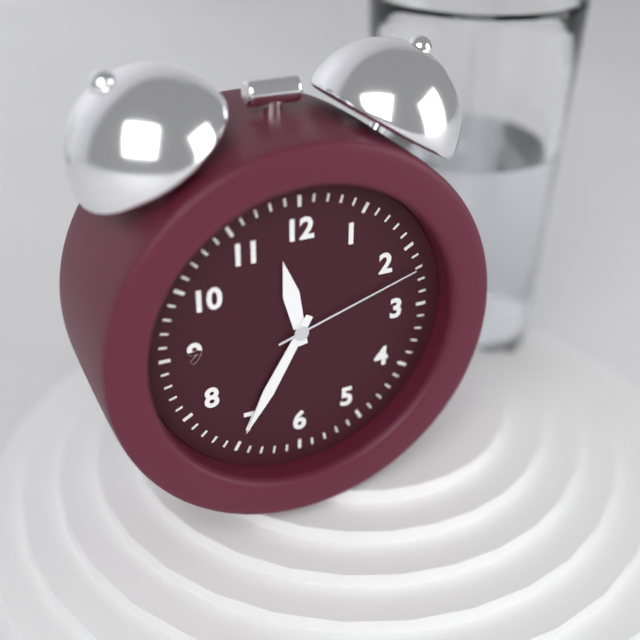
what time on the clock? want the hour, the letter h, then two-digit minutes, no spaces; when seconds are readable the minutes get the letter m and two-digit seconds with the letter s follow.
11h35m12s
